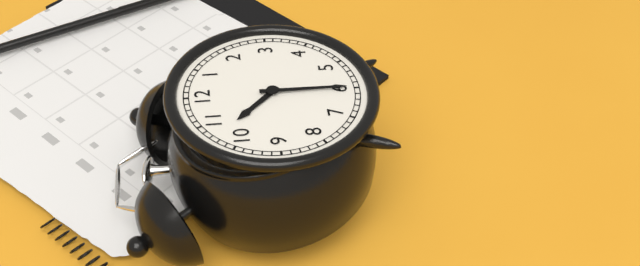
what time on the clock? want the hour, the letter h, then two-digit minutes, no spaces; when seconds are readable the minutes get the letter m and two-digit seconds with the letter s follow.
10h30
